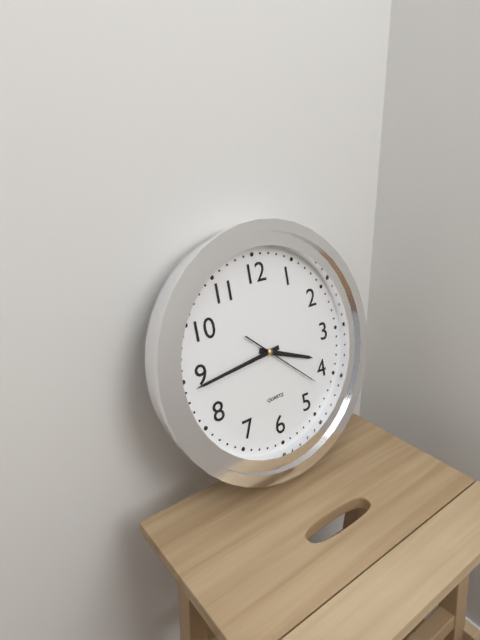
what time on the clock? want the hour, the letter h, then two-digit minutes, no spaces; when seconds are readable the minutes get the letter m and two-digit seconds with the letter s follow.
3h44m22s
